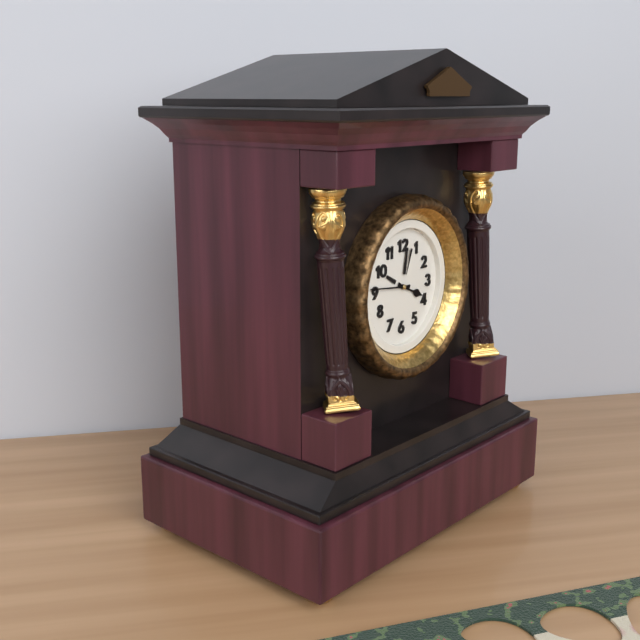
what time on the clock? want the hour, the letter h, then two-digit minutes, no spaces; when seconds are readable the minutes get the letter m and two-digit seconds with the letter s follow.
3h46
